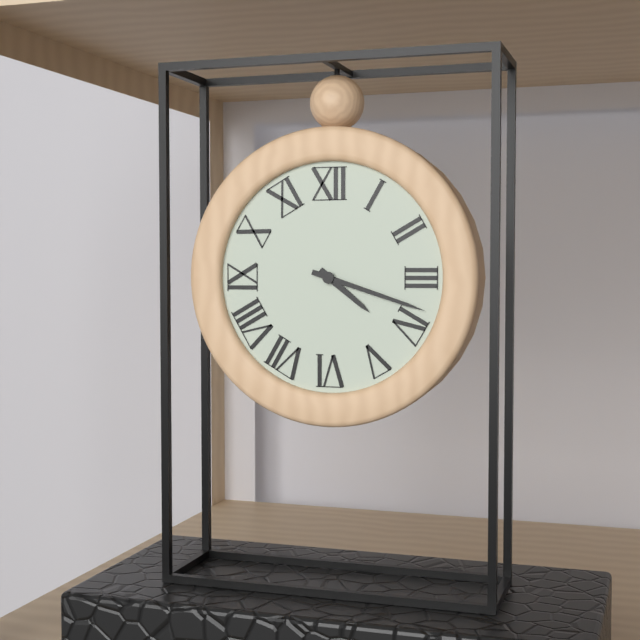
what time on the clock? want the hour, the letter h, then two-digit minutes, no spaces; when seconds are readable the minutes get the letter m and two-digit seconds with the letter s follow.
4h18
